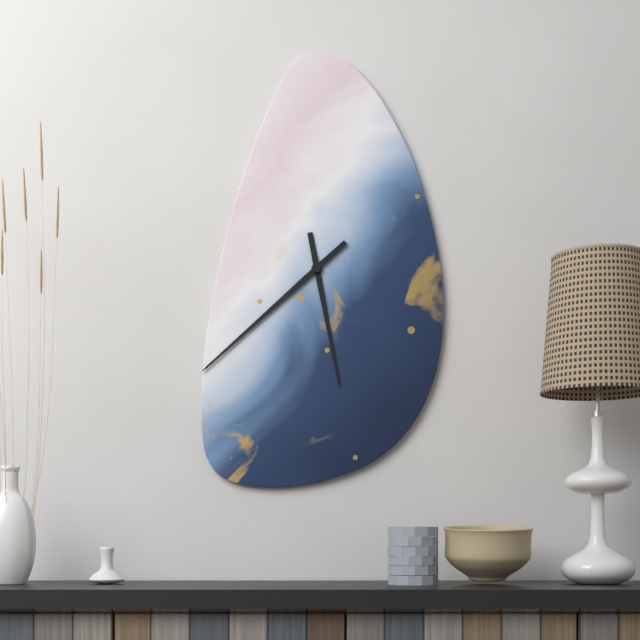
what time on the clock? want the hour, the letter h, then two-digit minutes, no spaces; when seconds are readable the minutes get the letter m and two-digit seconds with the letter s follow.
5h38
